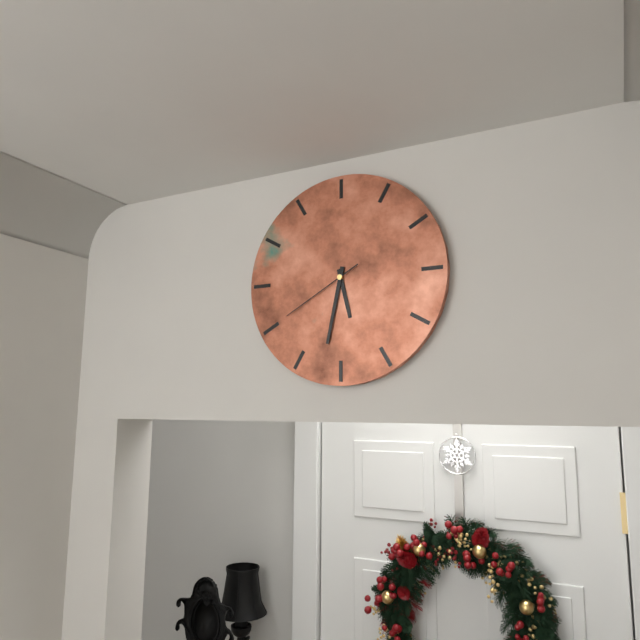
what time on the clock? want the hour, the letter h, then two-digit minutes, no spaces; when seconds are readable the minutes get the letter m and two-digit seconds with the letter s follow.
5h32m40s
